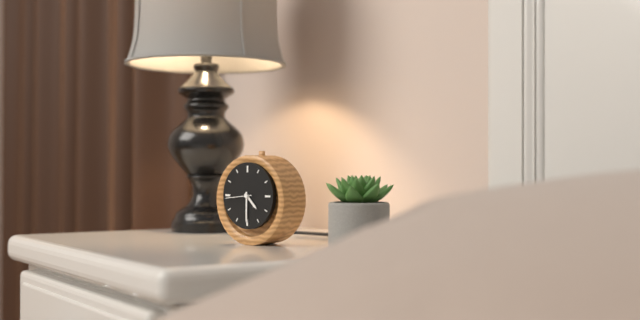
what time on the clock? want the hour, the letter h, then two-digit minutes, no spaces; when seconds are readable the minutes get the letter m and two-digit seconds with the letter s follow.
4h30
